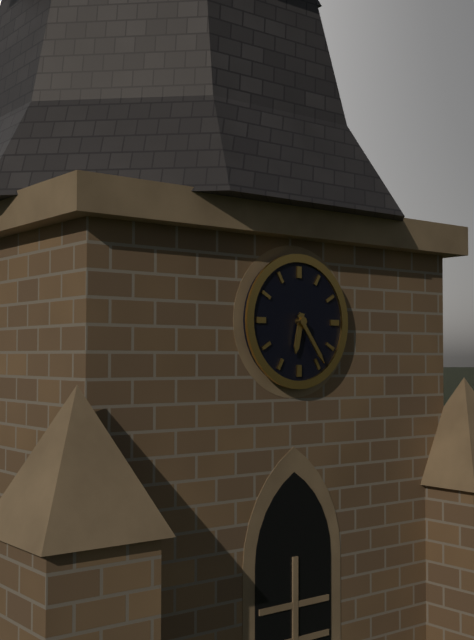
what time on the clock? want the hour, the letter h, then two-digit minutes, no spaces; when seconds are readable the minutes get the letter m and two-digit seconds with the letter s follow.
6h24
